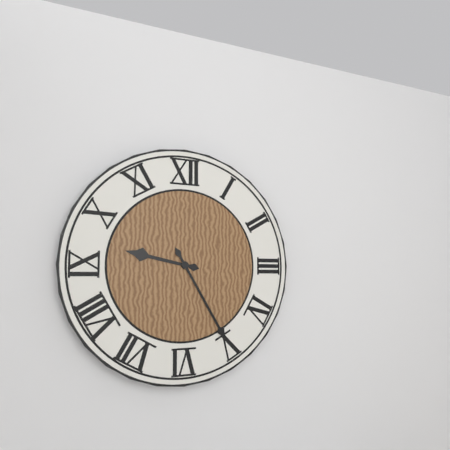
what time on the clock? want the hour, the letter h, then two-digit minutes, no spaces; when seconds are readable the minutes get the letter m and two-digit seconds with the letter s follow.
9h25
